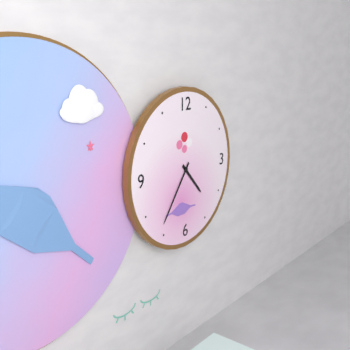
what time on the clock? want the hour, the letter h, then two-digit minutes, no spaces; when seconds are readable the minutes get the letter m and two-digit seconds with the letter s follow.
4h36
